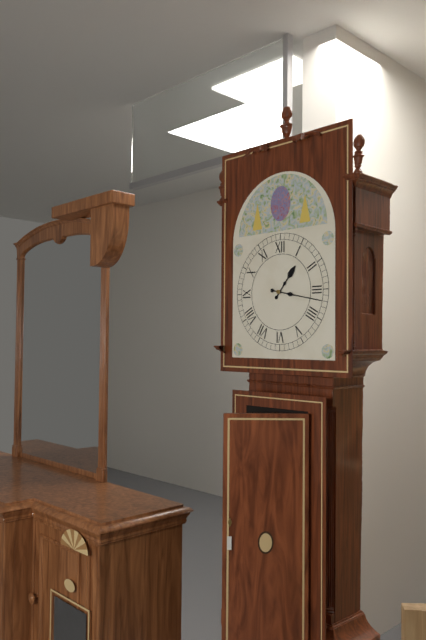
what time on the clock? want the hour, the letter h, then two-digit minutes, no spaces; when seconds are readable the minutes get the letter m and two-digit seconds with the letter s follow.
1h17
